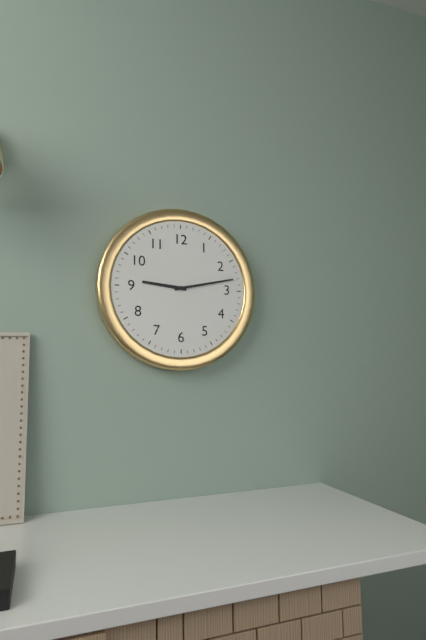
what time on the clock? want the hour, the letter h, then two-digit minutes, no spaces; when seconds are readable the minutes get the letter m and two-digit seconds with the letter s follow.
9h13
